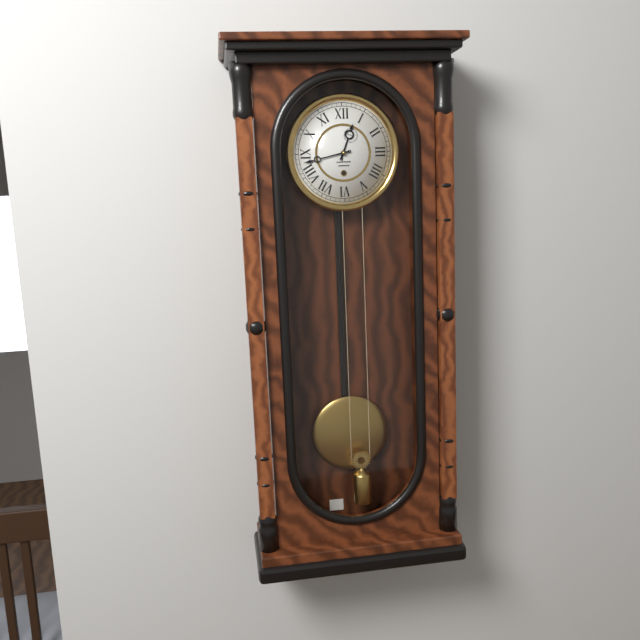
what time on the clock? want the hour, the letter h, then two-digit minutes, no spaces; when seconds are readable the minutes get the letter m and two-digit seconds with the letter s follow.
12h43
